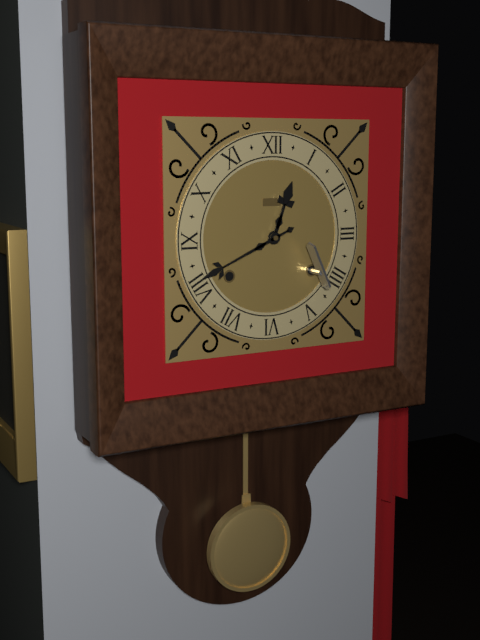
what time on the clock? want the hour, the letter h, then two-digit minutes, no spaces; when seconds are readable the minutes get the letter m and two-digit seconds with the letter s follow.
12h41
